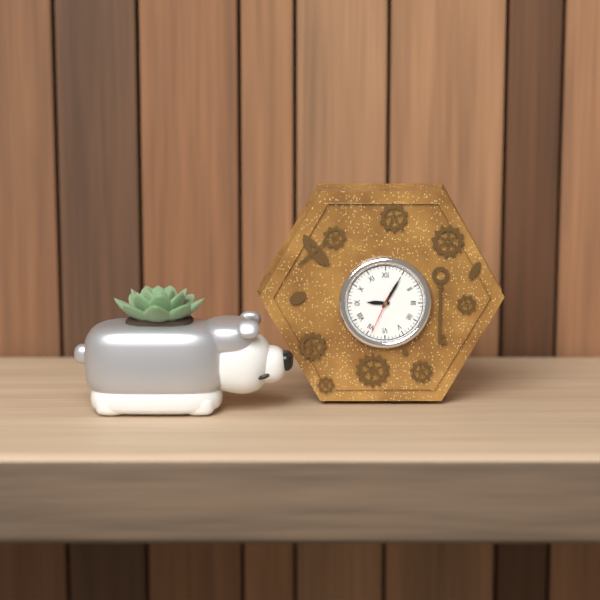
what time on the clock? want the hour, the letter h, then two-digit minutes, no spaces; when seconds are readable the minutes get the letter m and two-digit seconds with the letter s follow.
9h05
